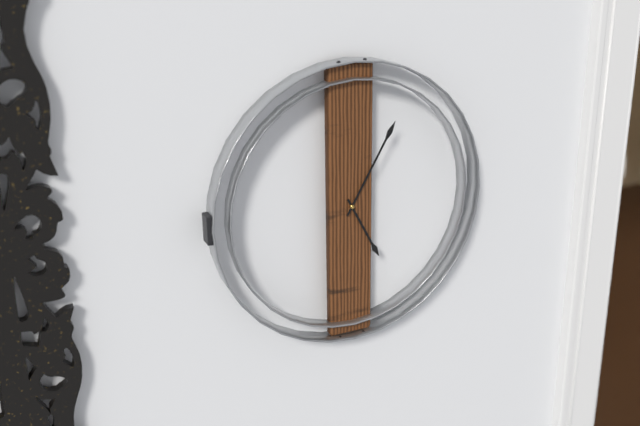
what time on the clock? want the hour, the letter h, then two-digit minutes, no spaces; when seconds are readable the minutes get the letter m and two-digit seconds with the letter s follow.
5h05
